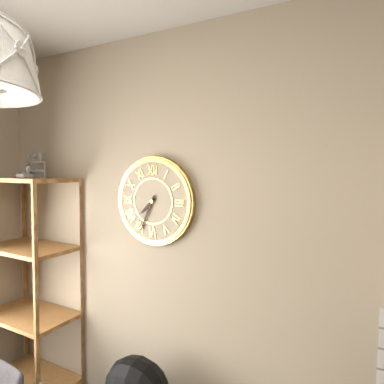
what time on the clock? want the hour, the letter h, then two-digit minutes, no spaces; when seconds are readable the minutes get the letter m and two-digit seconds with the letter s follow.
7h34
